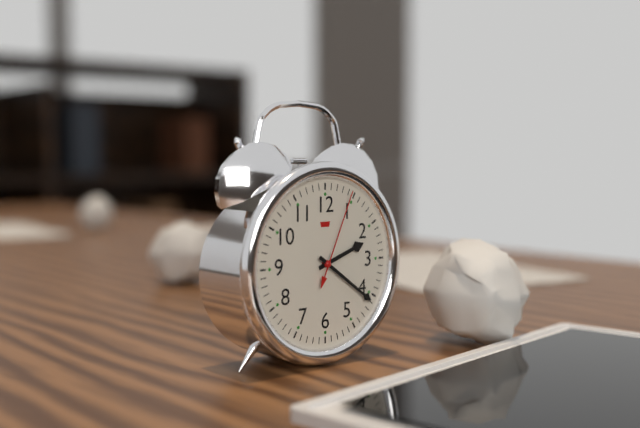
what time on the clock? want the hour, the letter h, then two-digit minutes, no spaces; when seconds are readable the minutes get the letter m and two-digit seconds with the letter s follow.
2h21m04s
